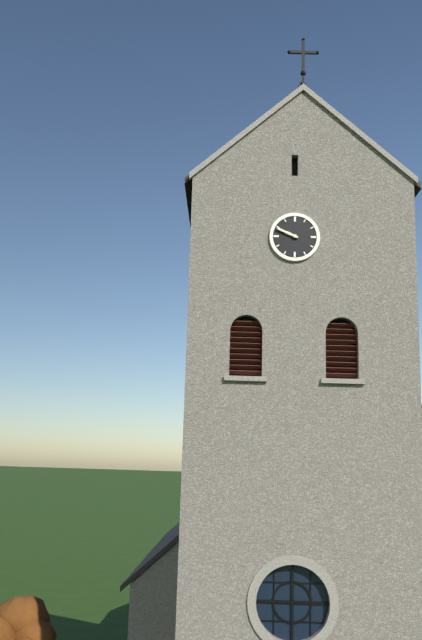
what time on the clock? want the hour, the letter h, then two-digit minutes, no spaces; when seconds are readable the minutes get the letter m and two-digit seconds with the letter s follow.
9h49
